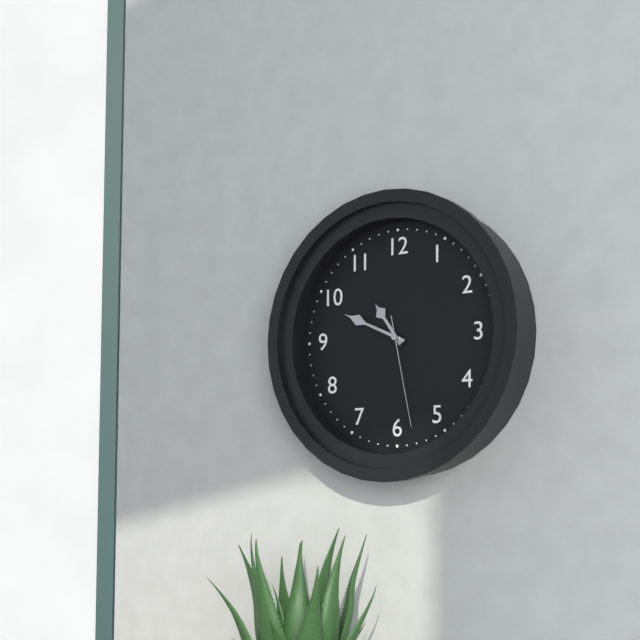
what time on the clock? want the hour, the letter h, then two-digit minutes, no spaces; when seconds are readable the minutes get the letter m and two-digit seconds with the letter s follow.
10h49m28s
